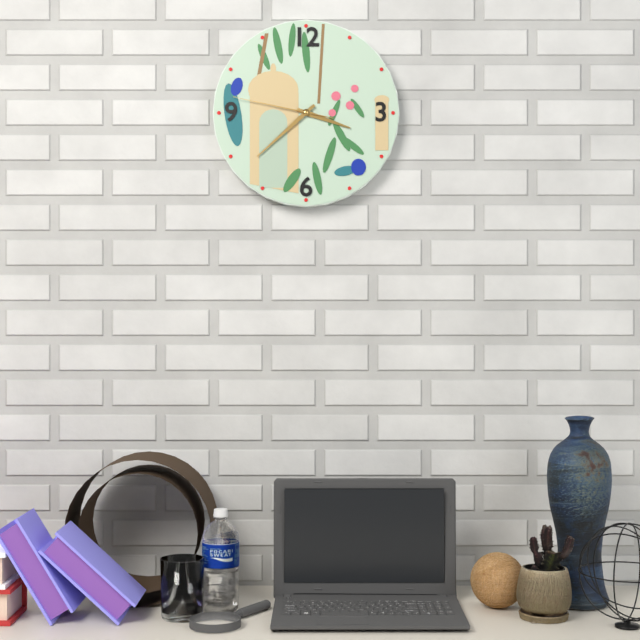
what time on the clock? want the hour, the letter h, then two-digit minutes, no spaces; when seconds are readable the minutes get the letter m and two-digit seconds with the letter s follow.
3h38m47s
